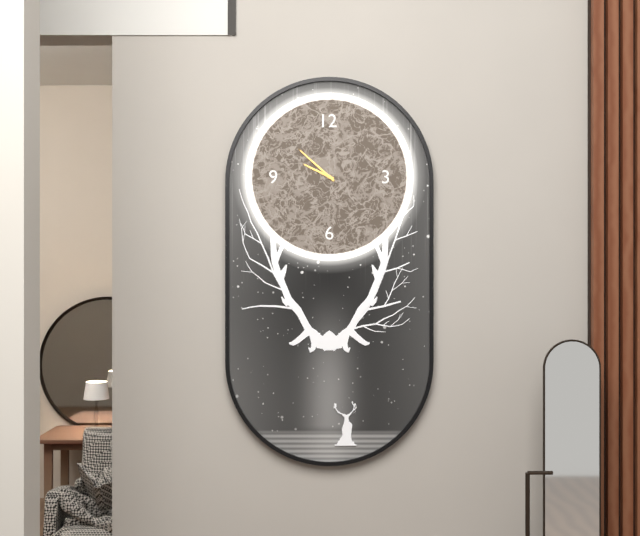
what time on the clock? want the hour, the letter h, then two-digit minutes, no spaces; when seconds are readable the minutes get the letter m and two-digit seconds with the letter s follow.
9h52
